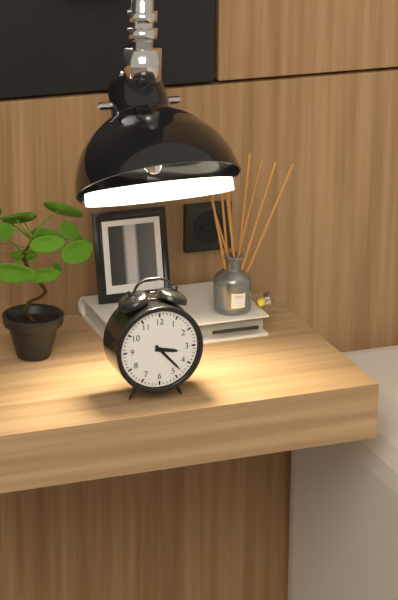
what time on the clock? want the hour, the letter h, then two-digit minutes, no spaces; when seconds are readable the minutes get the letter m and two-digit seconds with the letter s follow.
3h23
